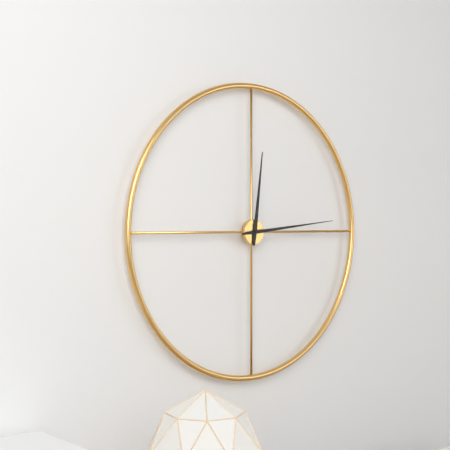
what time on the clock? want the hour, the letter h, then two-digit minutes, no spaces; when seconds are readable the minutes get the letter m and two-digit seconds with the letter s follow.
12h14
